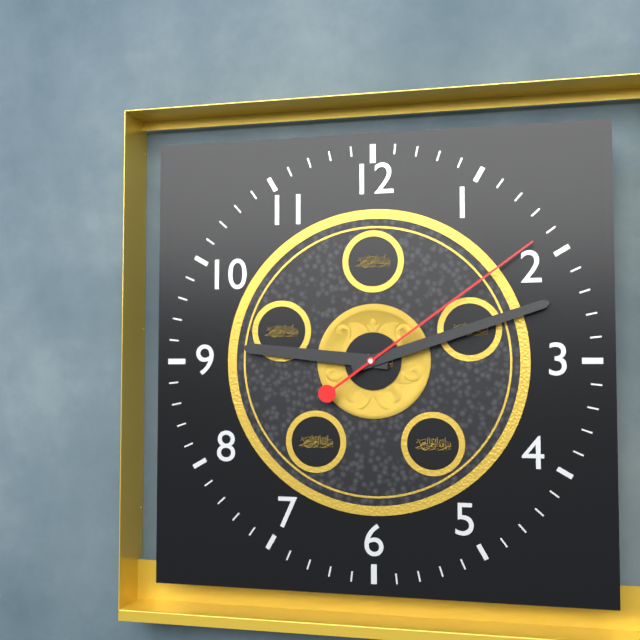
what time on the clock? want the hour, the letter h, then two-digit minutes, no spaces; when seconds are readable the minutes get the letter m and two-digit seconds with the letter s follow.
9h12m09s
